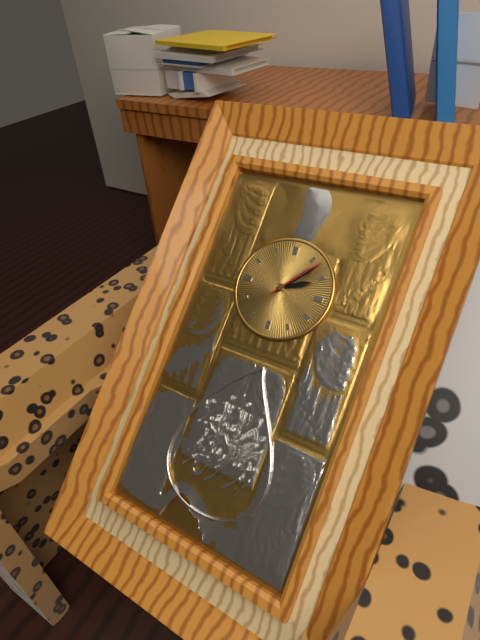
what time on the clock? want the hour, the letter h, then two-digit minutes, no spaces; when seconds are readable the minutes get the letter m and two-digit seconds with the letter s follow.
2h07m07s
